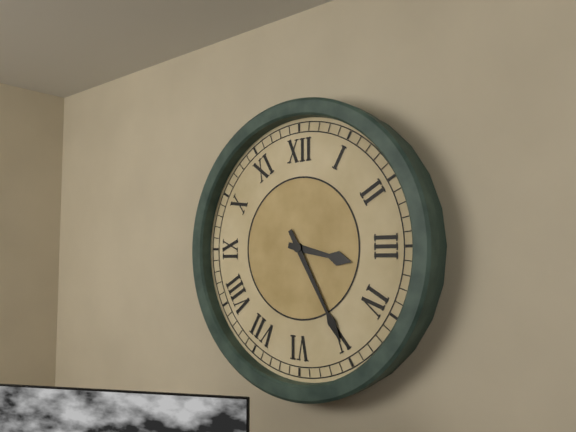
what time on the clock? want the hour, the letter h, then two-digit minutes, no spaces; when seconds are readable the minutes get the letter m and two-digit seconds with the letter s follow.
3h25
